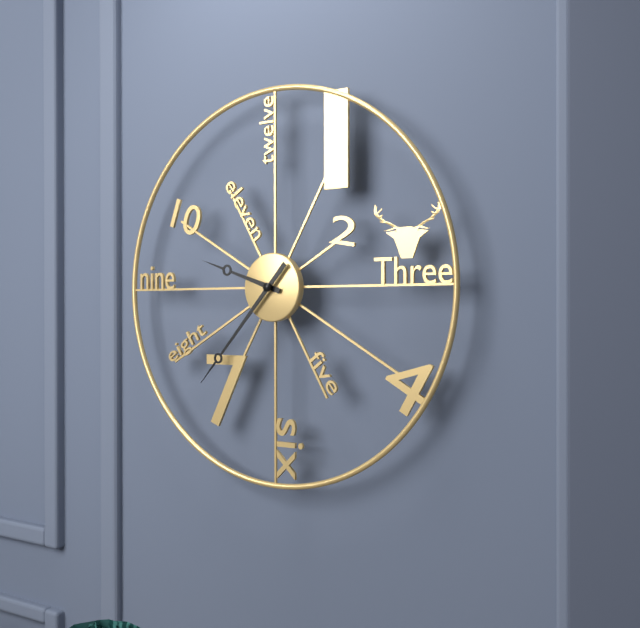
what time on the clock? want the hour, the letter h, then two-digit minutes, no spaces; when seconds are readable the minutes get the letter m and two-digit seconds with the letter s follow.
9h37
